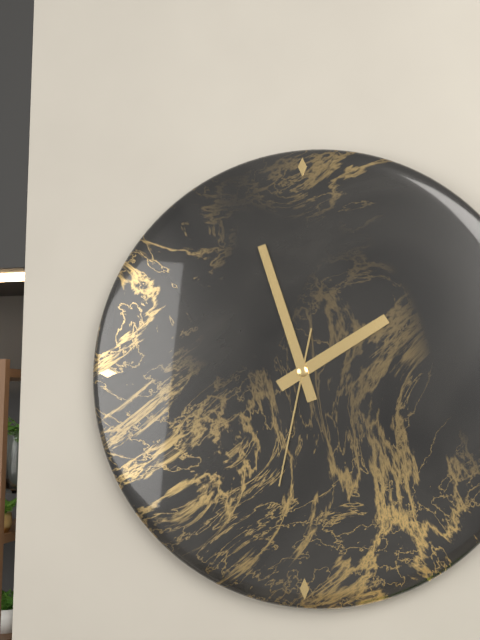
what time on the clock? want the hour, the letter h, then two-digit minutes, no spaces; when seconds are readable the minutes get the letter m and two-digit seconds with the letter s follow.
1h57m32s
